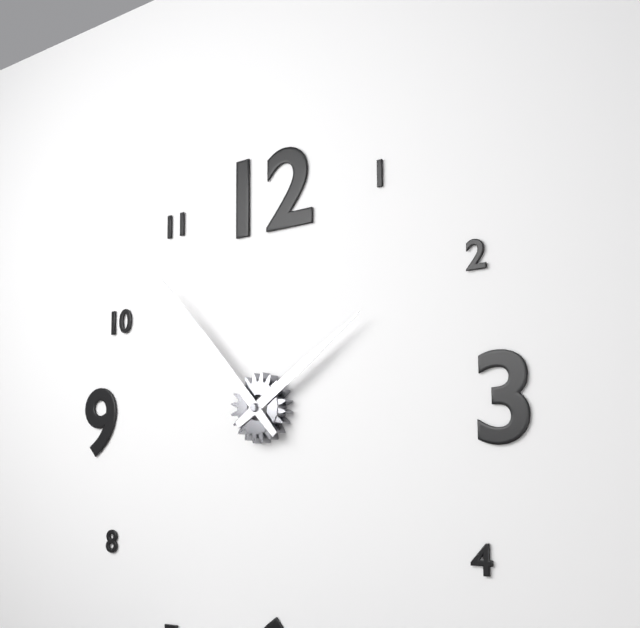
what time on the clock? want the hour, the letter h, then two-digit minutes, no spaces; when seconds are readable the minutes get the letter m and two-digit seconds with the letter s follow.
1h53
